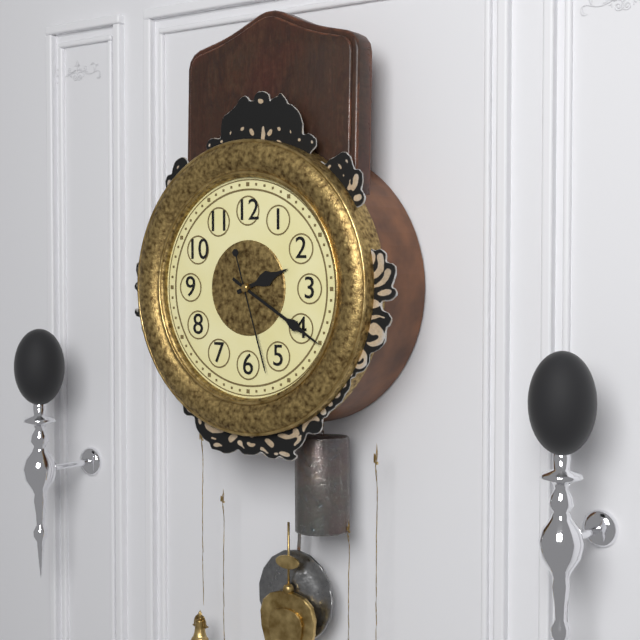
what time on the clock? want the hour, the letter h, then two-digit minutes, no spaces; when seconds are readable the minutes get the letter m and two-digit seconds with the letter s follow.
2h20m27s
